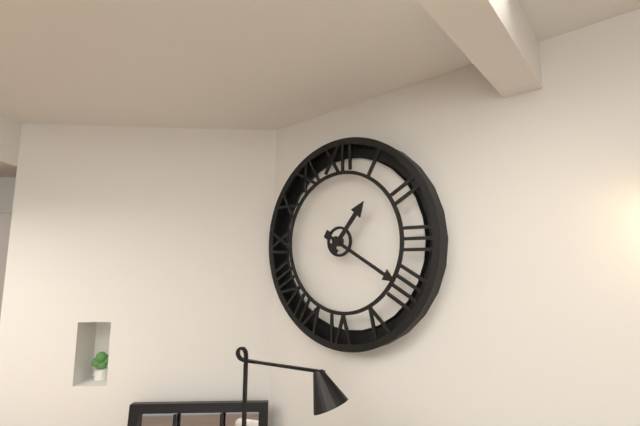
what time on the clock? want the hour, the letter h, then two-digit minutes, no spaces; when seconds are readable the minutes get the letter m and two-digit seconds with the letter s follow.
1h20
